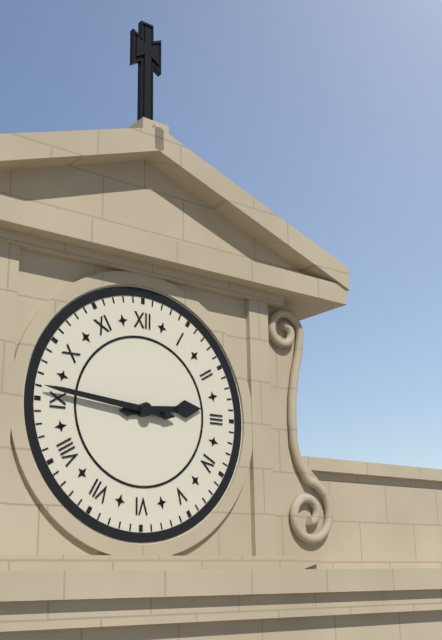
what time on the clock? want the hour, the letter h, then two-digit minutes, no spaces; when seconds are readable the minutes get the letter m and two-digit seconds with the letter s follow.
2h46
